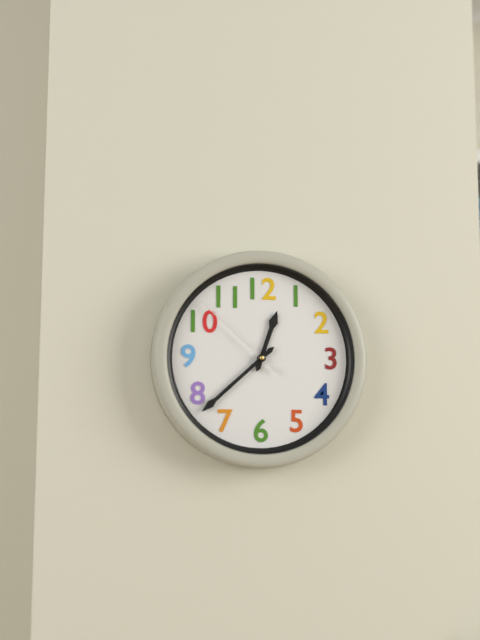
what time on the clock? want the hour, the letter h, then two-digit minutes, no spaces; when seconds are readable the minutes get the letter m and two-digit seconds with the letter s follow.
12h38m52s
